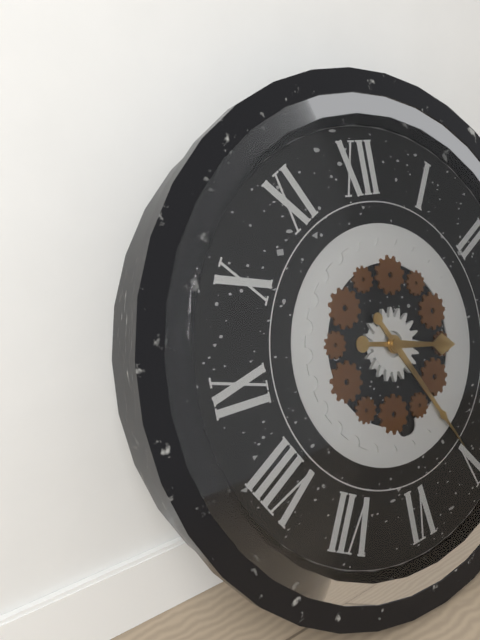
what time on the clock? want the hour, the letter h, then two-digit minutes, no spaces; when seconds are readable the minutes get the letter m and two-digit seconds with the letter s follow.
3h25
